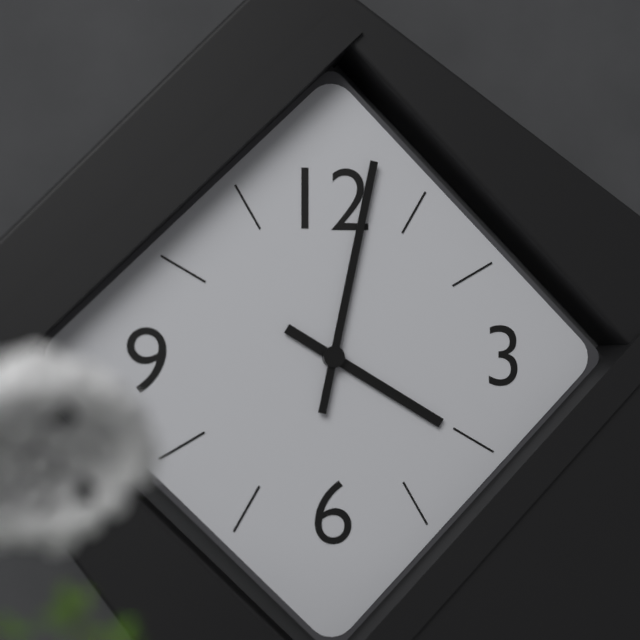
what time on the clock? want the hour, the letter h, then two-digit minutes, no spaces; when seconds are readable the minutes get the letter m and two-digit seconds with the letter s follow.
4h02
